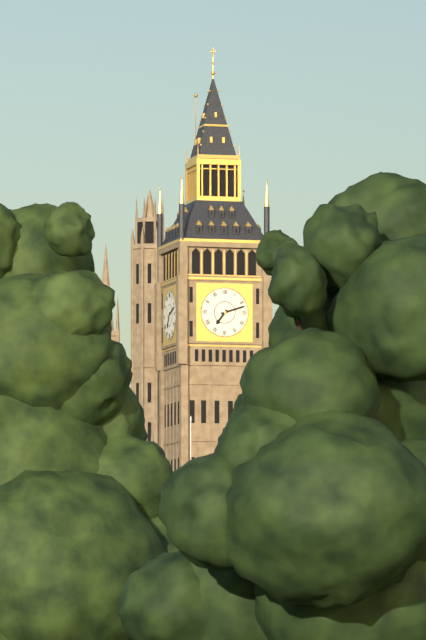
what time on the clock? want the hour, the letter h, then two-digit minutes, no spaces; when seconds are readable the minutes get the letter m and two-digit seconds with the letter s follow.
7h12
